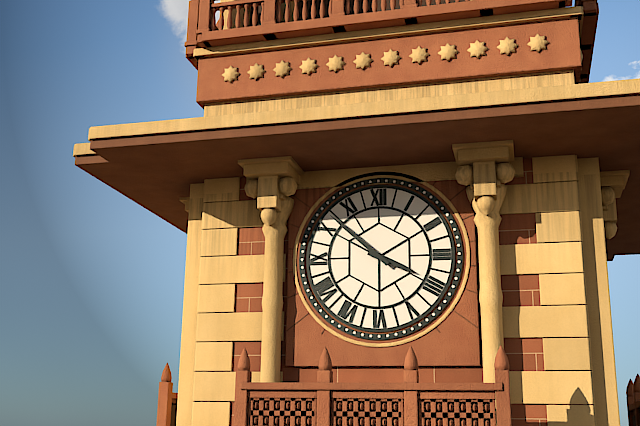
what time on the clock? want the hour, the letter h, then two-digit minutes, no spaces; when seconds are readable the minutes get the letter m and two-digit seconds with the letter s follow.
3h52
